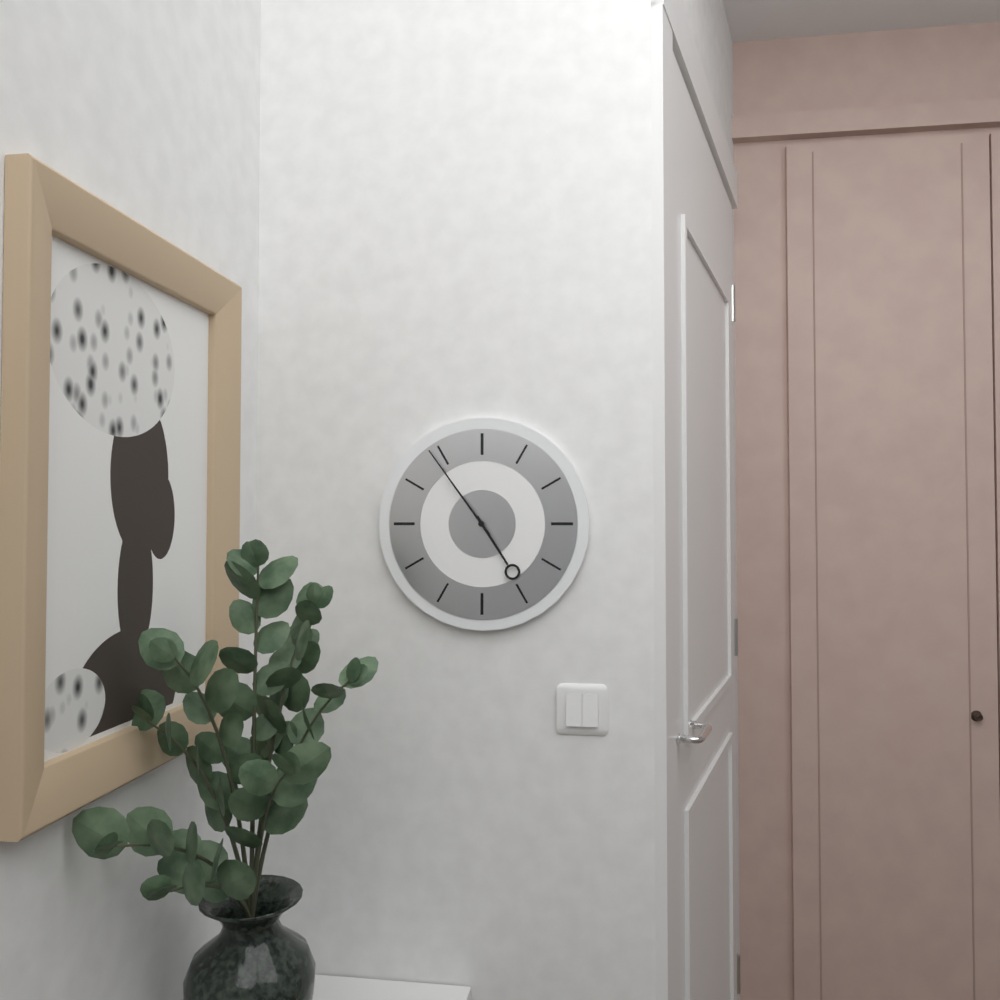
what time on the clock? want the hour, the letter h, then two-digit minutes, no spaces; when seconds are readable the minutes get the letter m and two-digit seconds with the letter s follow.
4h54
